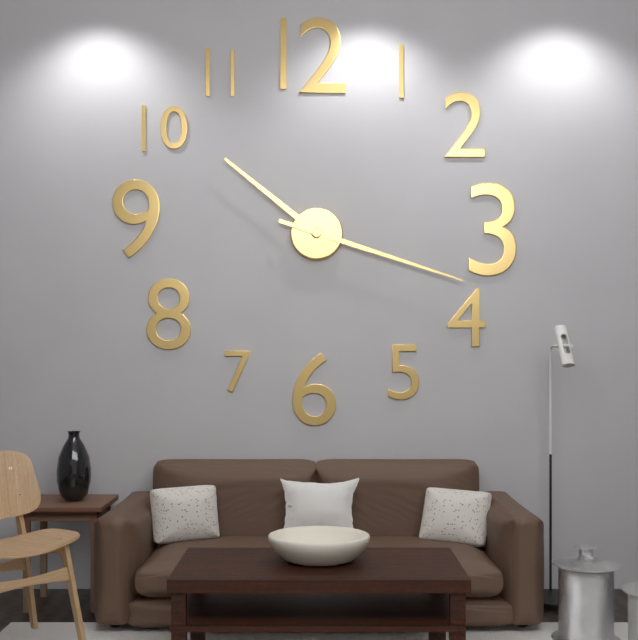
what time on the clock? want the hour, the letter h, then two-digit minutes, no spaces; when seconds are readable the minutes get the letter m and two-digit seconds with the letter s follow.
10h18
